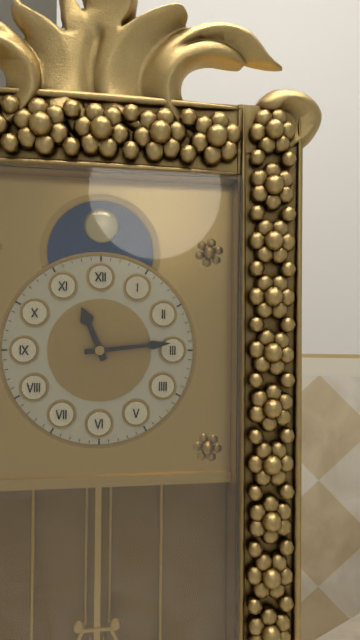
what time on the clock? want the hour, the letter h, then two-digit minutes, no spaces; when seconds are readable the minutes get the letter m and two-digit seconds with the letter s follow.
11h14
